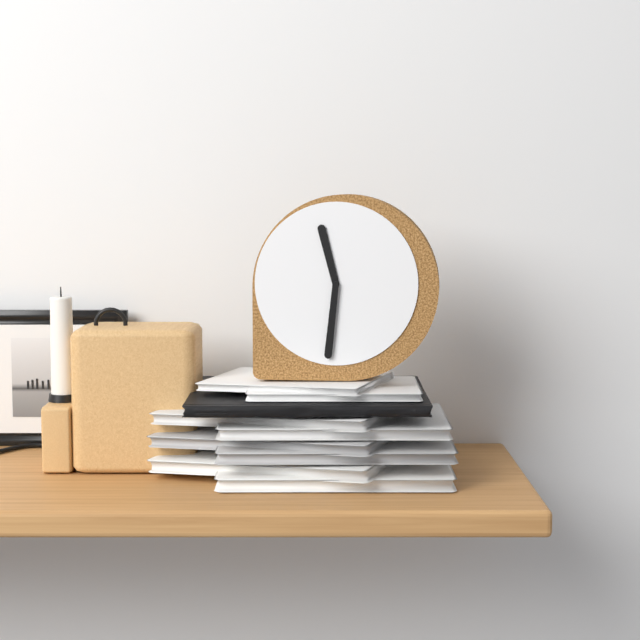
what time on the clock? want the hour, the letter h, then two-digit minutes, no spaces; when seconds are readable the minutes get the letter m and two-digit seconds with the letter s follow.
11h31
